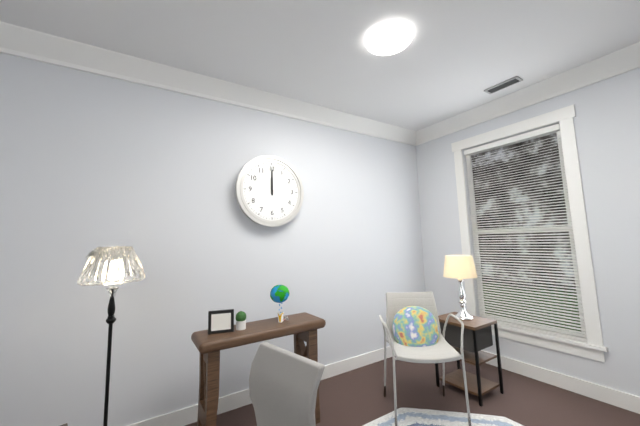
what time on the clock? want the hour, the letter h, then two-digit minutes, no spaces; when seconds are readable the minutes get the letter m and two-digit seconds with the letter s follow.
12h00
